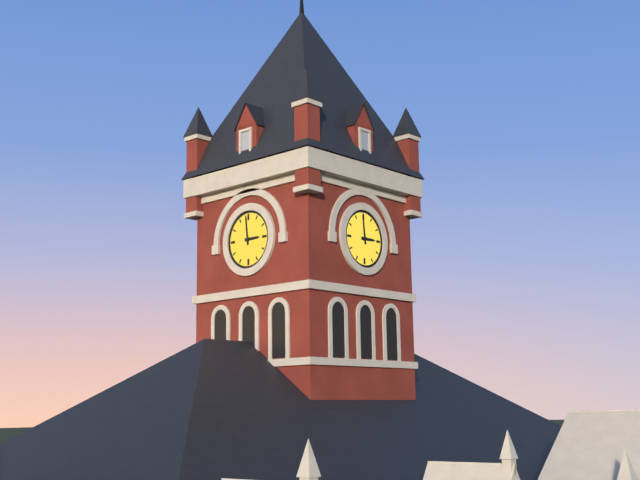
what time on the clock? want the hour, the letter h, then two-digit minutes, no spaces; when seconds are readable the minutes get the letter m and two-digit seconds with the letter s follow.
2h59
